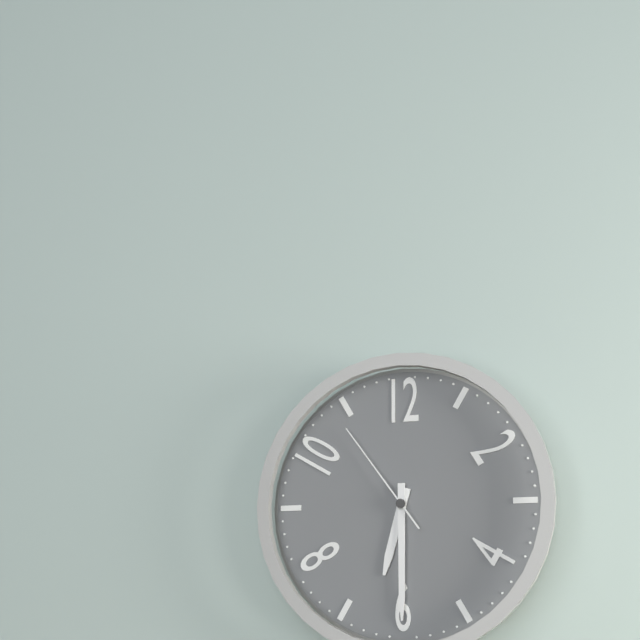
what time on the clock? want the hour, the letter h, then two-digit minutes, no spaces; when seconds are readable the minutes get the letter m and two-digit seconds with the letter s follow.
6h30m54s
